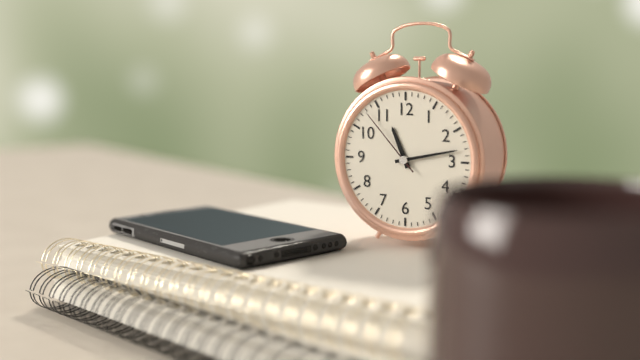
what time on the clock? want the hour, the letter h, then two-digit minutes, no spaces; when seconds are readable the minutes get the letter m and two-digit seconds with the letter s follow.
11h13m53s
